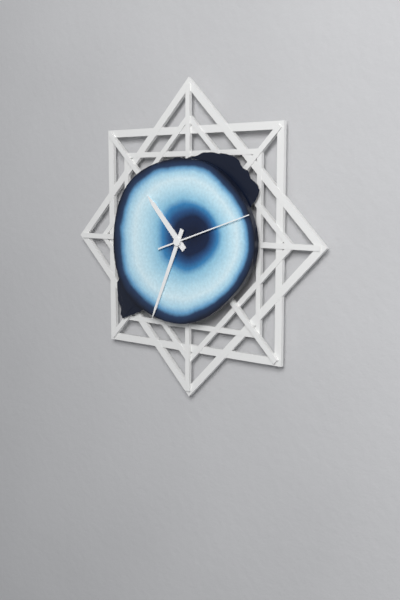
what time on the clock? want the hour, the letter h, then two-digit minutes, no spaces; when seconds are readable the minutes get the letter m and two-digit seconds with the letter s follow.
10h34m12s
